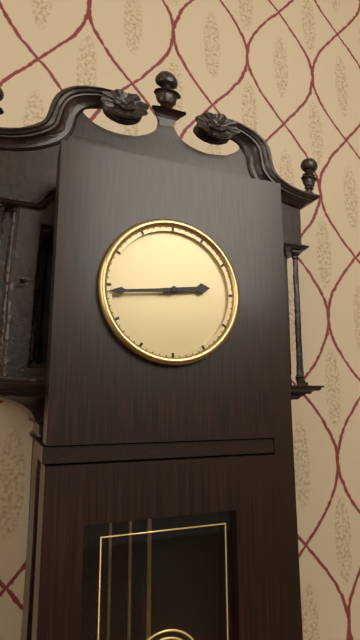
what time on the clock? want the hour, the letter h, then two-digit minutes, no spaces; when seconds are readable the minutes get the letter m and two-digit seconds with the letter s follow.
2h44
